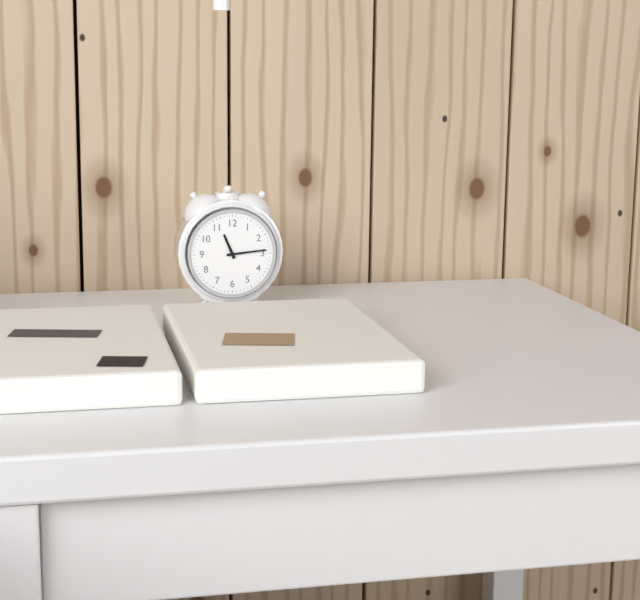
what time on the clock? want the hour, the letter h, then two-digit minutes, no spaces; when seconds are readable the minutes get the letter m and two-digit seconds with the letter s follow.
11h14
